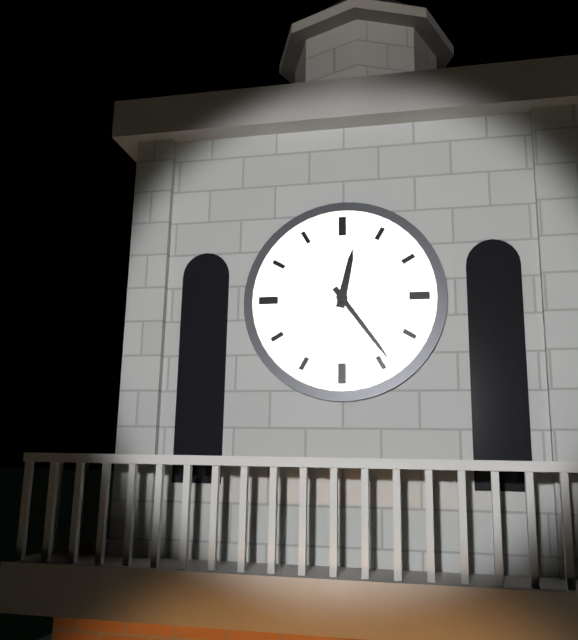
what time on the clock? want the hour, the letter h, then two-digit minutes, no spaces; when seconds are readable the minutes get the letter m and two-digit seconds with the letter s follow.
12h24
